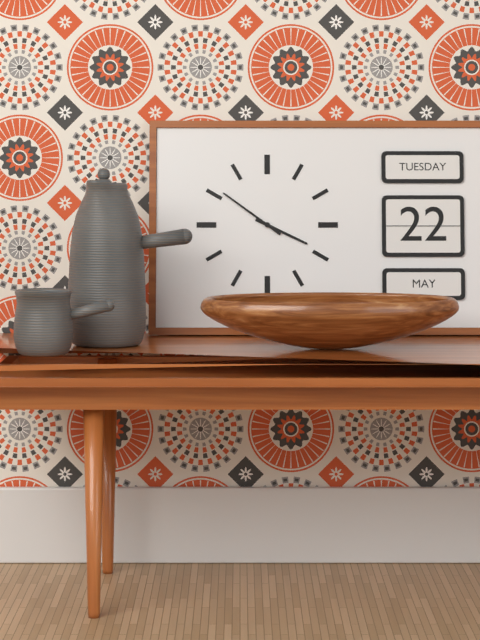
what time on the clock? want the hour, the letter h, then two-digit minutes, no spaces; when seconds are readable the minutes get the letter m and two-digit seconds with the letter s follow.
3h51
